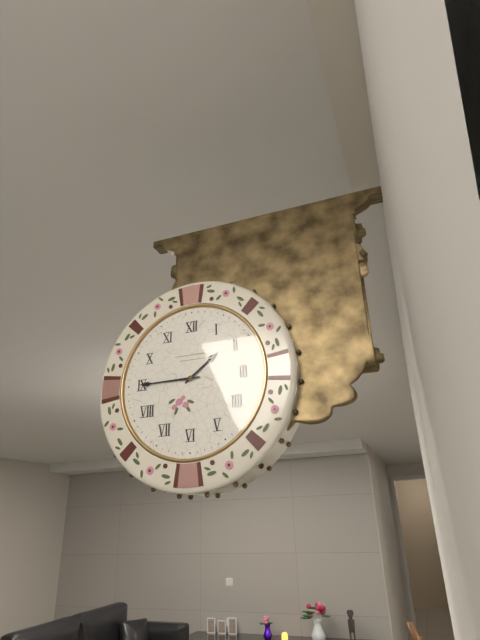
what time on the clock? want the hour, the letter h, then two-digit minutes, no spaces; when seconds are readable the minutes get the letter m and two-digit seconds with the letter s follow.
1h45
